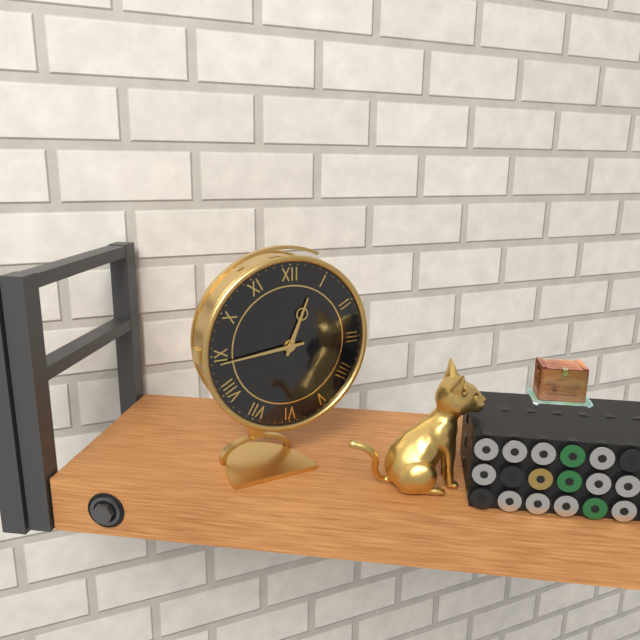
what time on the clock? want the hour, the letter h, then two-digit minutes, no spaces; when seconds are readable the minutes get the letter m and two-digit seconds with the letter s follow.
12h44
